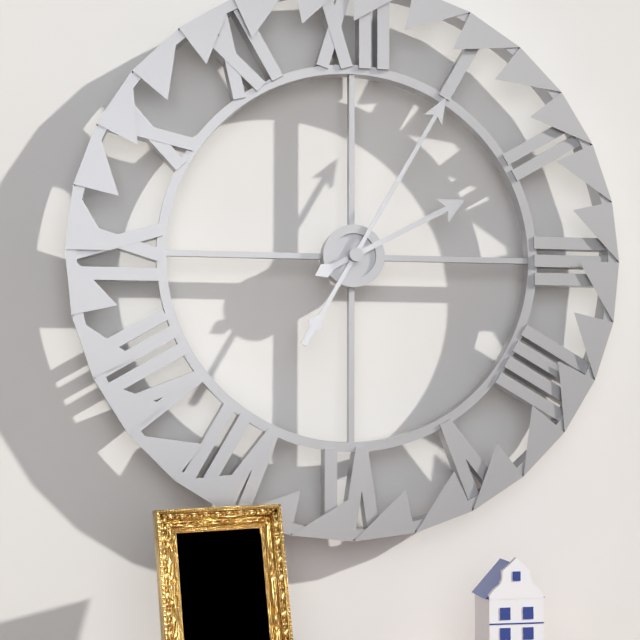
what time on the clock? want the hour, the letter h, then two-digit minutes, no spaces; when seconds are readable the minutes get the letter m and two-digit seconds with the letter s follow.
2h05
